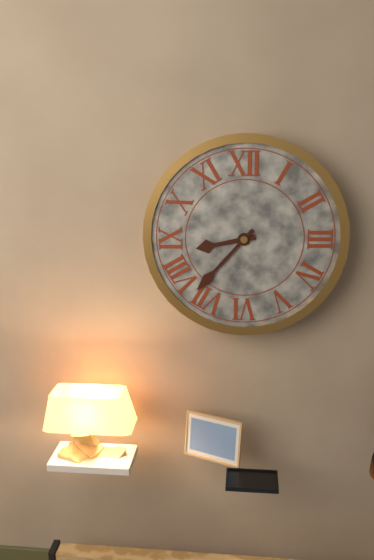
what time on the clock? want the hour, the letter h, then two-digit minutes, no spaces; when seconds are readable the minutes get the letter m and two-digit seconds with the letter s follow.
8h37
